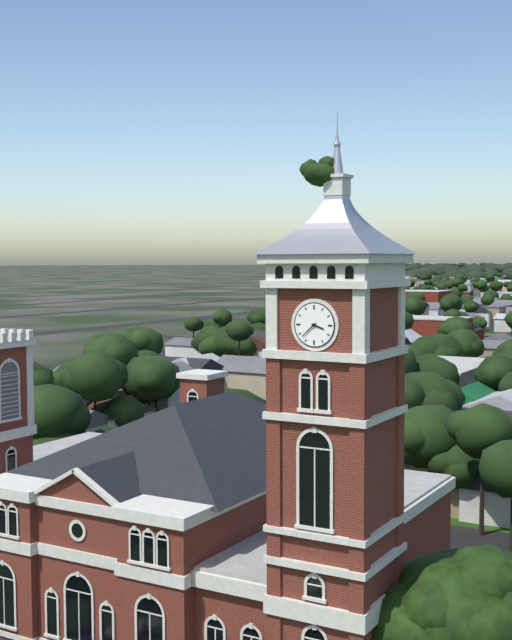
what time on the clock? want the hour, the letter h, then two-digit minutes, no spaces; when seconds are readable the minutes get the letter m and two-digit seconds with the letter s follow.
3h38
